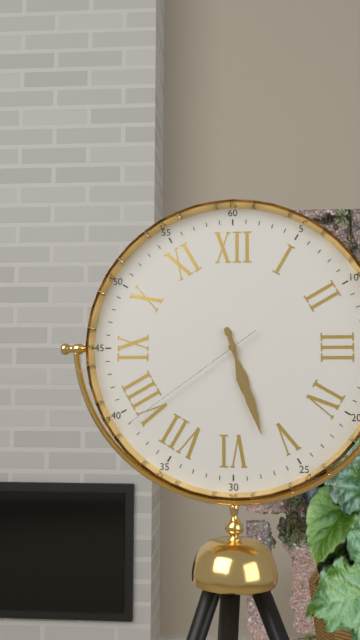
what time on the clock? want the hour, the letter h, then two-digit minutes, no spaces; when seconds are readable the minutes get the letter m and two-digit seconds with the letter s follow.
5h27m39s
